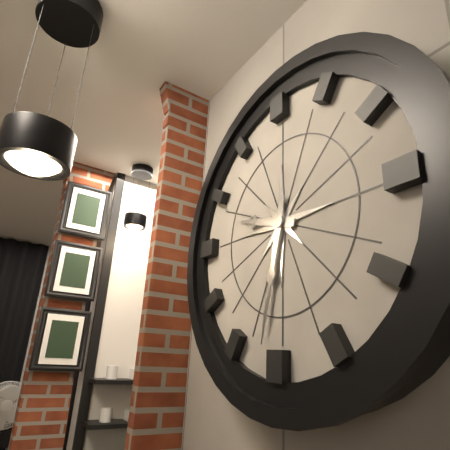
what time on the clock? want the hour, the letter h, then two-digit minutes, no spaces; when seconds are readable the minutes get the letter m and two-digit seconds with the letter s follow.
9h32
